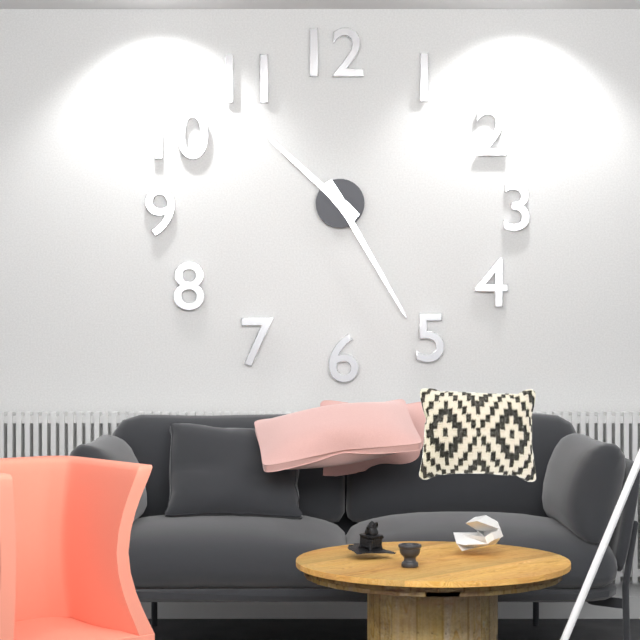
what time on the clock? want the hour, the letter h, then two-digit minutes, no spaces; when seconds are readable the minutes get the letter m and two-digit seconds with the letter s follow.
10h25
